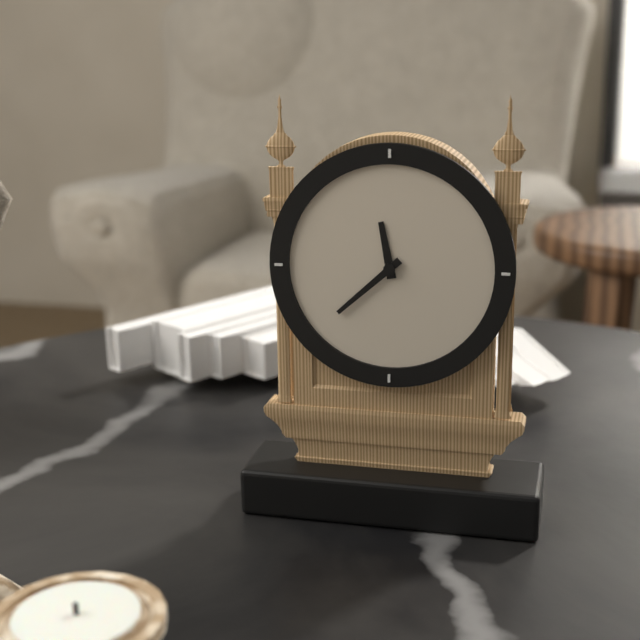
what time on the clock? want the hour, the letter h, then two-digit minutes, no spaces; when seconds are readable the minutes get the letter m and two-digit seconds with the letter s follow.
11h38
